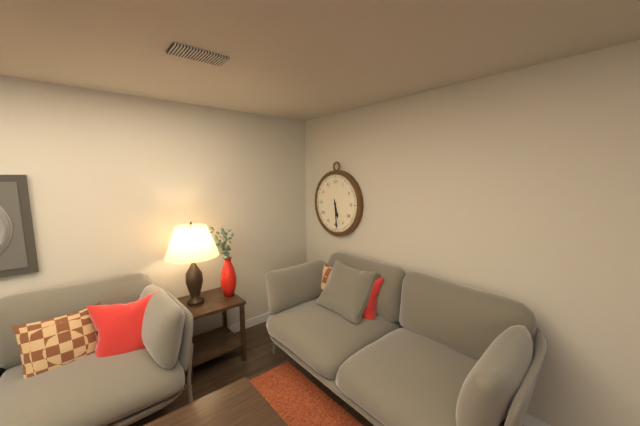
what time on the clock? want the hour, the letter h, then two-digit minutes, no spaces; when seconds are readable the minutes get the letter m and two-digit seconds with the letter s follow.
5h29
